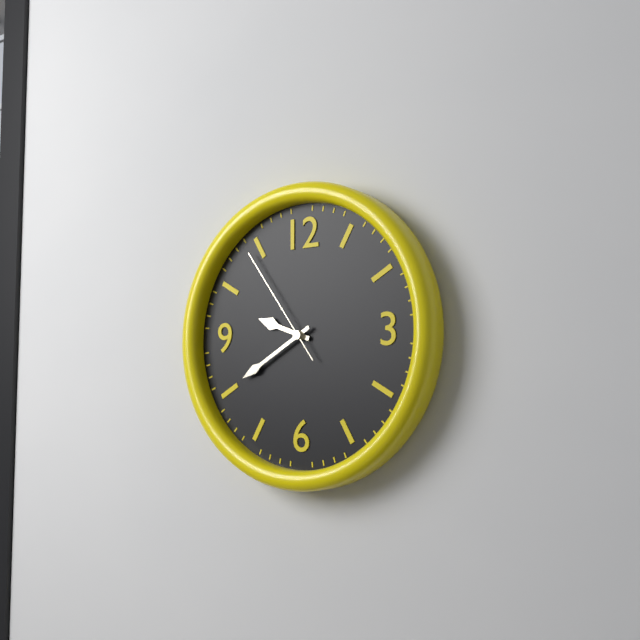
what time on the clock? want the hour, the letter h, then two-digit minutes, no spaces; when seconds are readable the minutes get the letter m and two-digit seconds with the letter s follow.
9h40m54s
